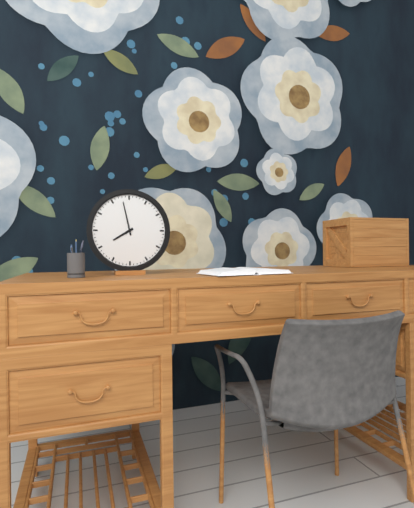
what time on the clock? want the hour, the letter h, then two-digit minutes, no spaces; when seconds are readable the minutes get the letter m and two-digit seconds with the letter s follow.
7h58
